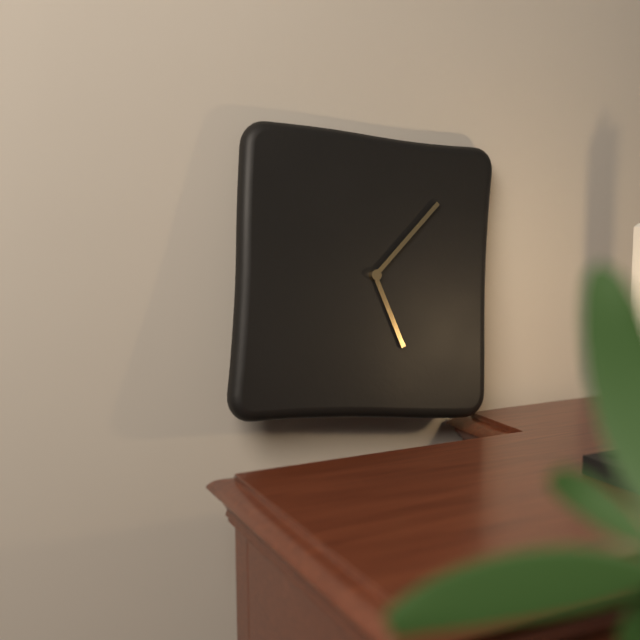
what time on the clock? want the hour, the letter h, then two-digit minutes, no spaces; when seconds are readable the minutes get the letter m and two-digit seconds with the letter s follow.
5h07
